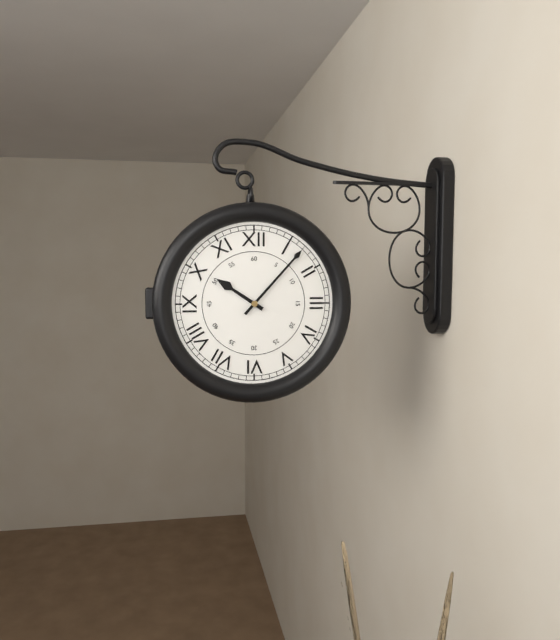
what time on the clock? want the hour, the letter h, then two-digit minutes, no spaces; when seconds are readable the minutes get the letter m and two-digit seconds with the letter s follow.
10h07
